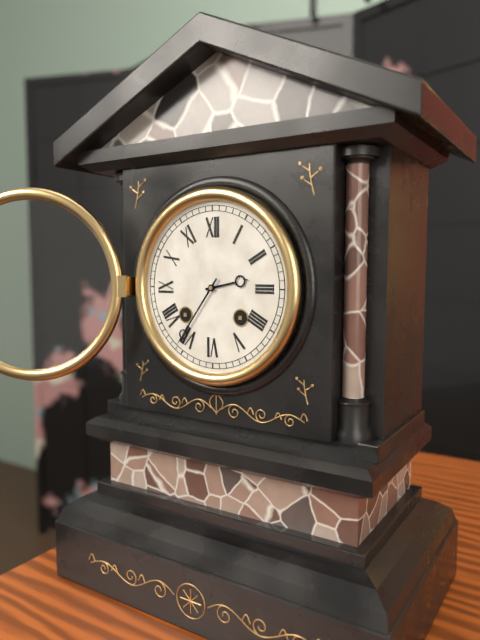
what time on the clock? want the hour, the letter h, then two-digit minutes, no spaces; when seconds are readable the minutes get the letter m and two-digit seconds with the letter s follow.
2h36
